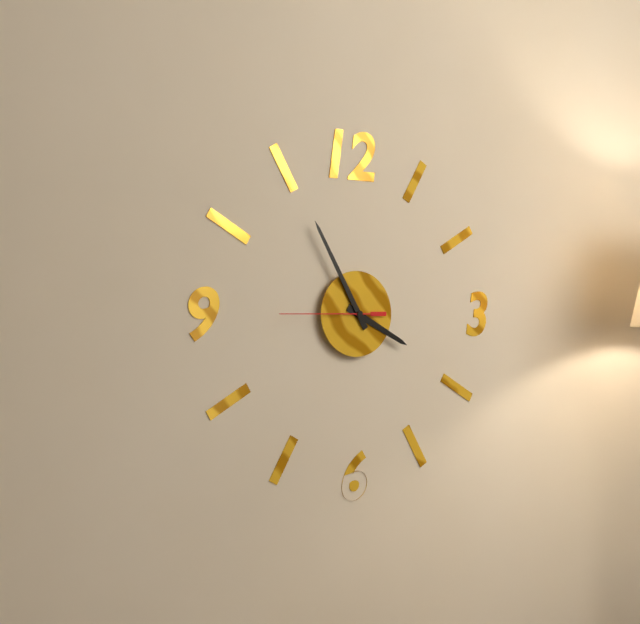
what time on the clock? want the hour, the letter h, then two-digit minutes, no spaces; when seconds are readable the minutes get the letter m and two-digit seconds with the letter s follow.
3h55m45s
